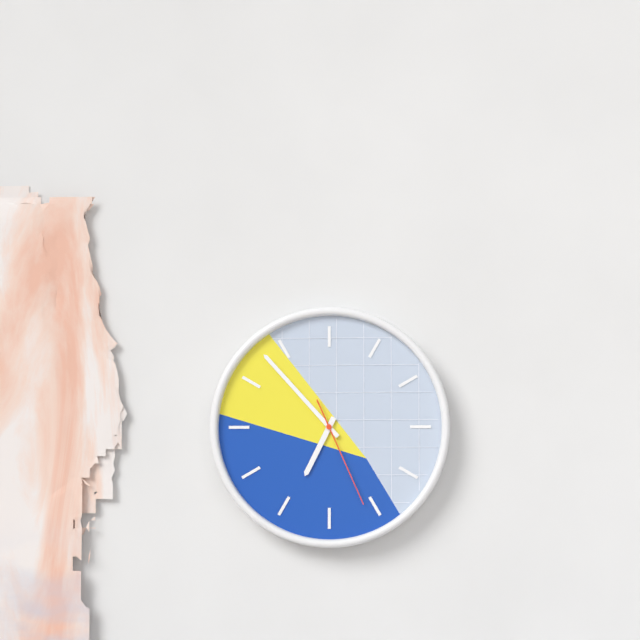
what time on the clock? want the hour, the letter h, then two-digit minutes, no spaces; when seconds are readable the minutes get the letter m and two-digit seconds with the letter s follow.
6h53m26s
